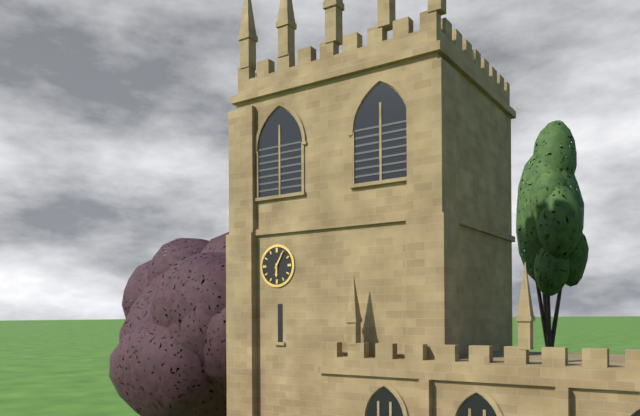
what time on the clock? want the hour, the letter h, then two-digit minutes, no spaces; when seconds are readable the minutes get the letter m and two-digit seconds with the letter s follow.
6h05
